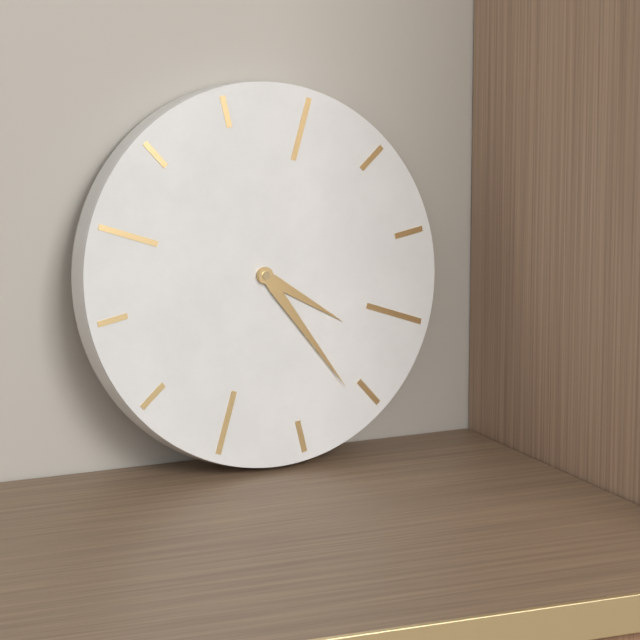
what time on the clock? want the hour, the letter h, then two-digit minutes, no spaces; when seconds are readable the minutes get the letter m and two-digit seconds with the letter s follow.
4h26
